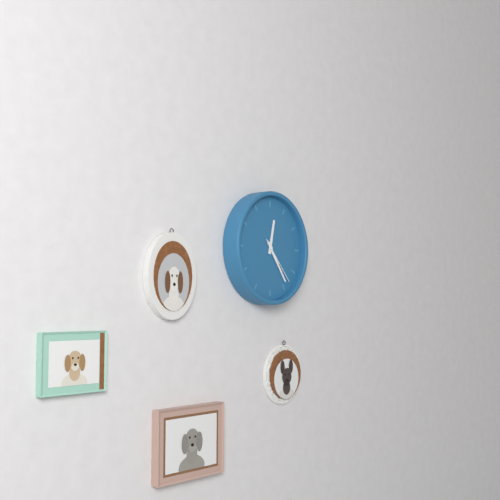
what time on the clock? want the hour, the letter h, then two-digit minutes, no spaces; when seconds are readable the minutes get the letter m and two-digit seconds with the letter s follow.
12h24
